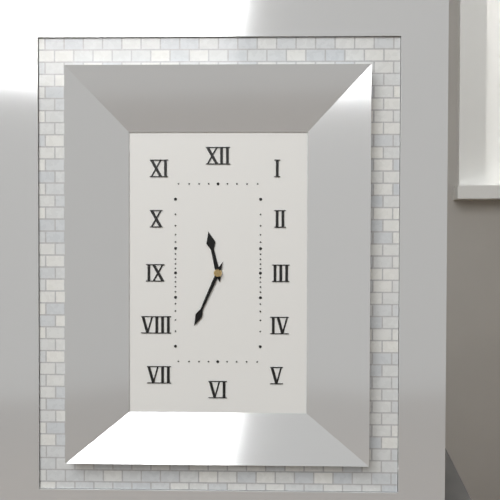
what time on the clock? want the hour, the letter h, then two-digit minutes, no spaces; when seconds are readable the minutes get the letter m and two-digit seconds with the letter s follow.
11h34
